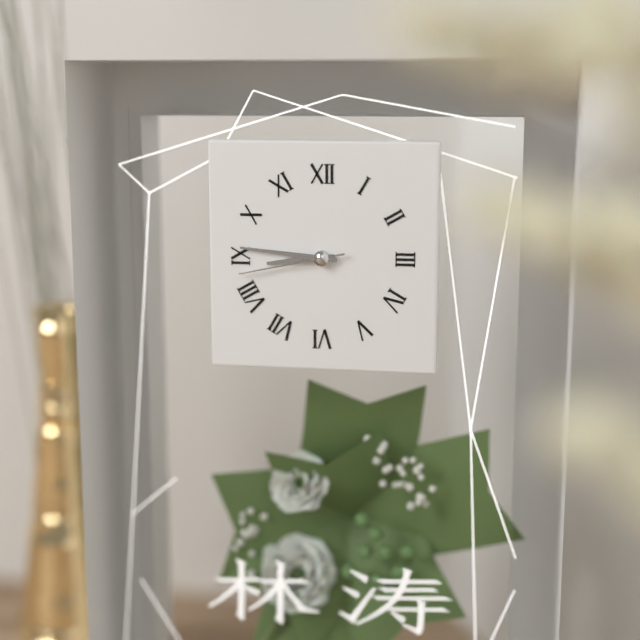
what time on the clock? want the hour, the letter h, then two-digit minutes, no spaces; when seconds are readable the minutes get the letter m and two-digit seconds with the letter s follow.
8h46m43s
